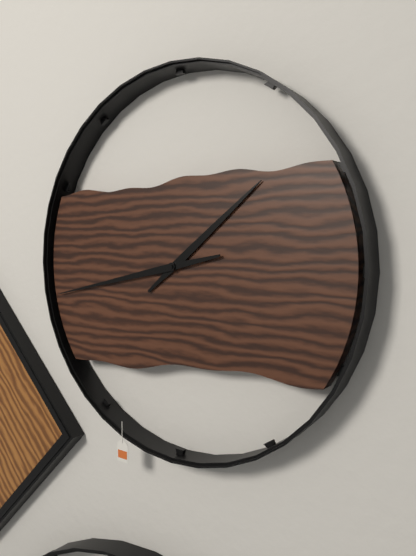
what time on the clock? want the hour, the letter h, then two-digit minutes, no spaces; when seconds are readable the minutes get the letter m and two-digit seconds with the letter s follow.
1h43
